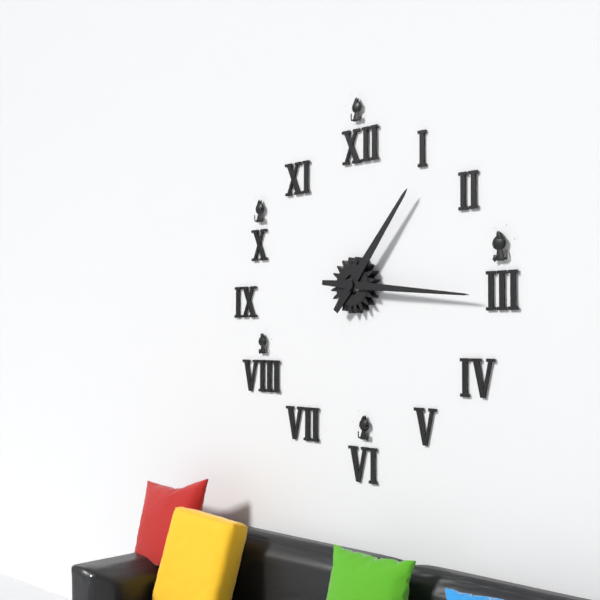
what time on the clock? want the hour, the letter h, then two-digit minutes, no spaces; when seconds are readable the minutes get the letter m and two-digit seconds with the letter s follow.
1h16
